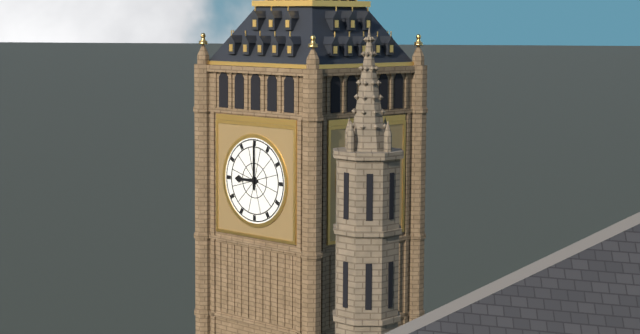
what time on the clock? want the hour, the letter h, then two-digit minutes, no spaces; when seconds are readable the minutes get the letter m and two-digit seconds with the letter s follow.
9h00
